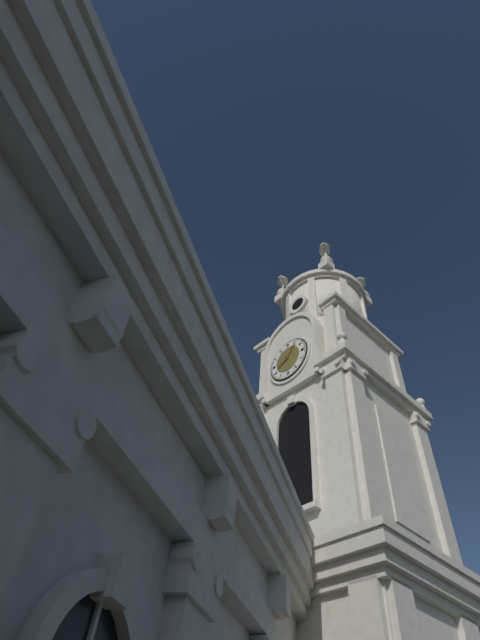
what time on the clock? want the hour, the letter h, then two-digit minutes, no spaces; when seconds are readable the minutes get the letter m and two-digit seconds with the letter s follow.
8h06
